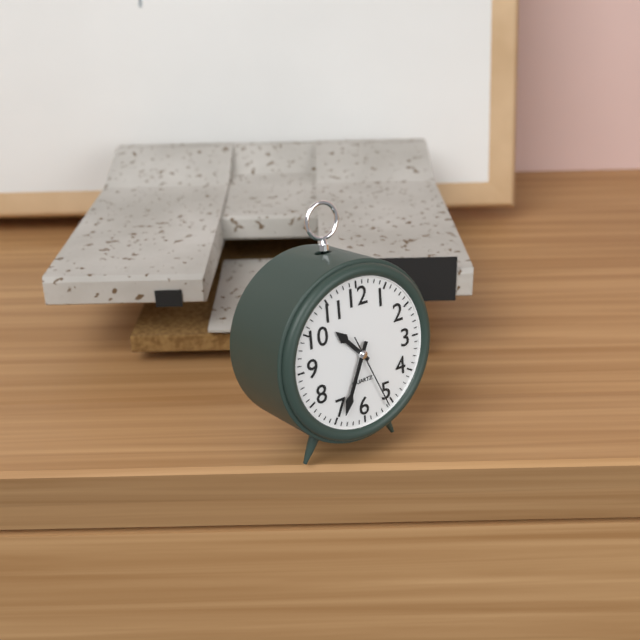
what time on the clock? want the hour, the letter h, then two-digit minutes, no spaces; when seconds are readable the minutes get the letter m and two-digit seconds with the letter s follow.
10h34m26s
